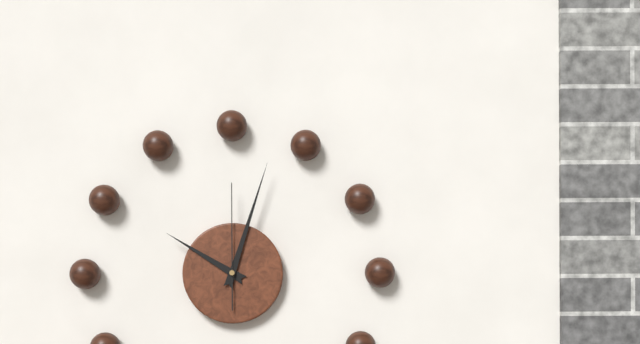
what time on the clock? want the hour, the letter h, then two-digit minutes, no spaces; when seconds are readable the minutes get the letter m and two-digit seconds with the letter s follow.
10h03m00s
